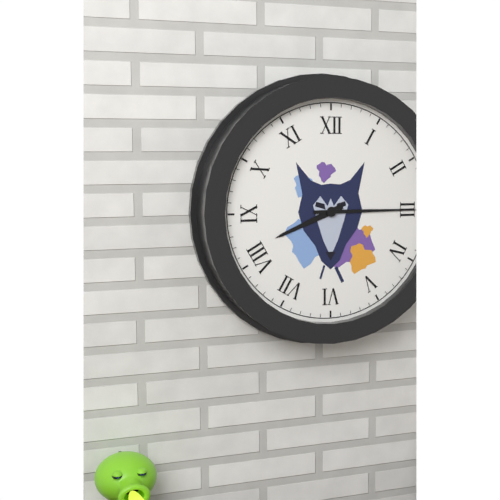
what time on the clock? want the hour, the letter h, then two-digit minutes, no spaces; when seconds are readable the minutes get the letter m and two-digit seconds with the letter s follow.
8h15
